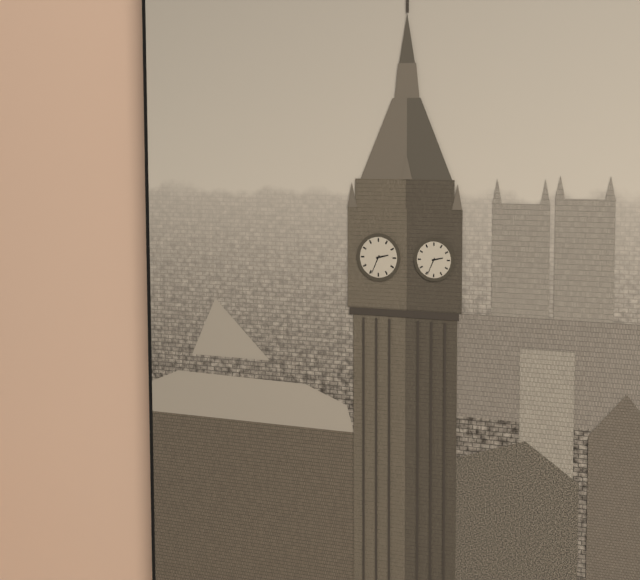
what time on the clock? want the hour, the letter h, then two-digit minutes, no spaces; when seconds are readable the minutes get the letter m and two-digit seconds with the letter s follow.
2h34
